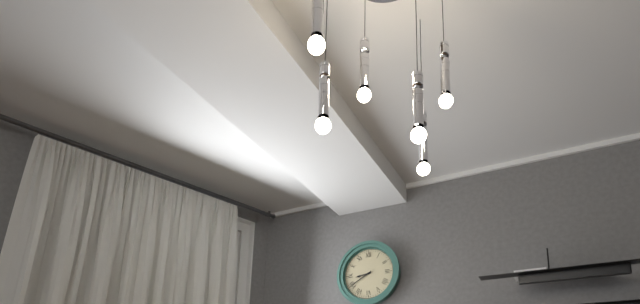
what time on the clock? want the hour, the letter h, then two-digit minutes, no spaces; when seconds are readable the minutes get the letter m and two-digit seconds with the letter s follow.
8h40
